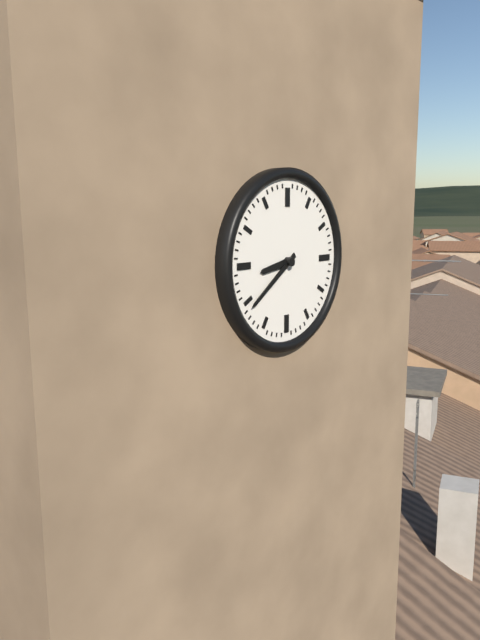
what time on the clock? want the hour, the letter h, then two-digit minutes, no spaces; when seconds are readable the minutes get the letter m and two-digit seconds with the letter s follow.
8h39
